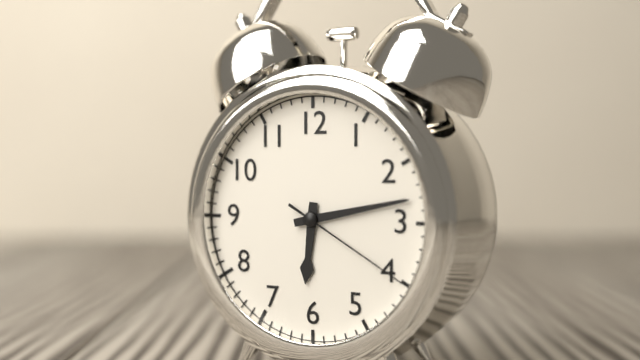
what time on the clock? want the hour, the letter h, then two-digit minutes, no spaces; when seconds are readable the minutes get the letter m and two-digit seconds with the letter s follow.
6h13m20s
